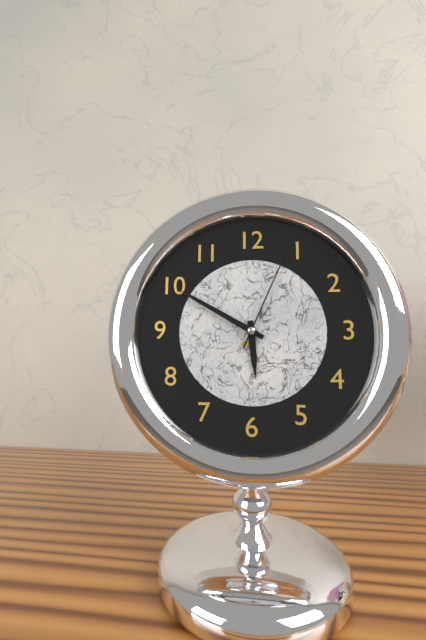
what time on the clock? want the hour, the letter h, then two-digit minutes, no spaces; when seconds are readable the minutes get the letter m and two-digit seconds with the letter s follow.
5h50m04s
